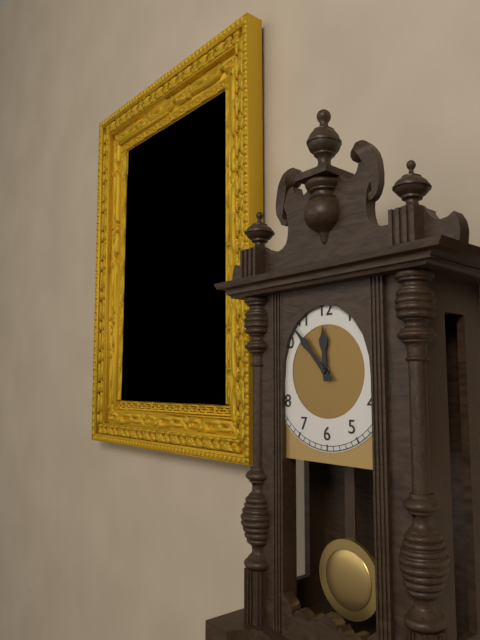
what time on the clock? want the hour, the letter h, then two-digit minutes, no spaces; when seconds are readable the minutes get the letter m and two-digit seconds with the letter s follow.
11h53
